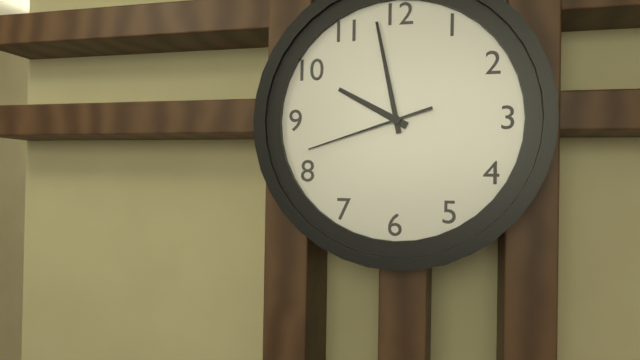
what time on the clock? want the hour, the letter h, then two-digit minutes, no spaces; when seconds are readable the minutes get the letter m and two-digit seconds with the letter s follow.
9h58m42s
